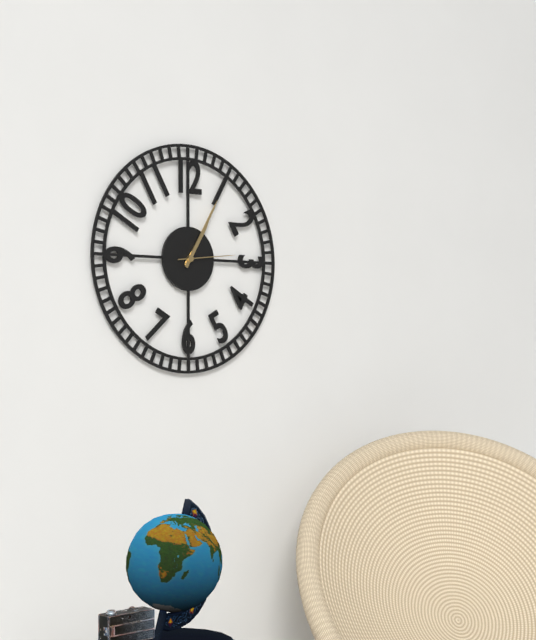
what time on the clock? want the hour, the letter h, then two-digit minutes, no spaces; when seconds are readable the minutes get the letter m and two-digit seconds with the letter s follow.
1h05m14s
